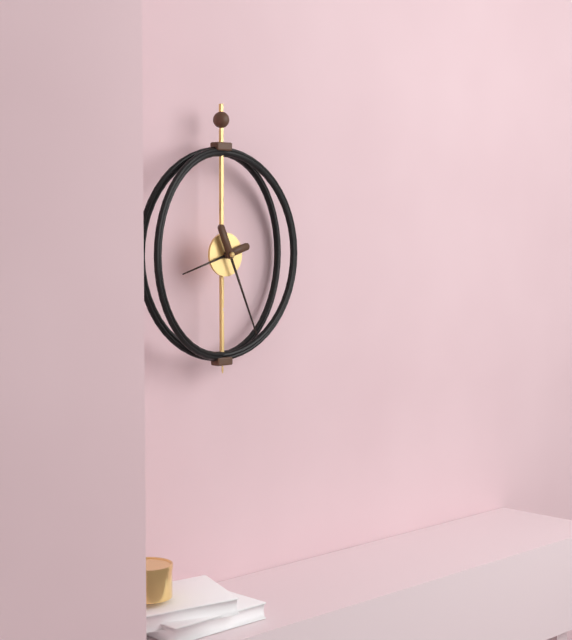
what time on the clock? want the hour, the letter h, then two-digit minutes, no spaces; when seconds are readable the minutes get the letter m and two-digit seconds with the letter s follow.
8h26
